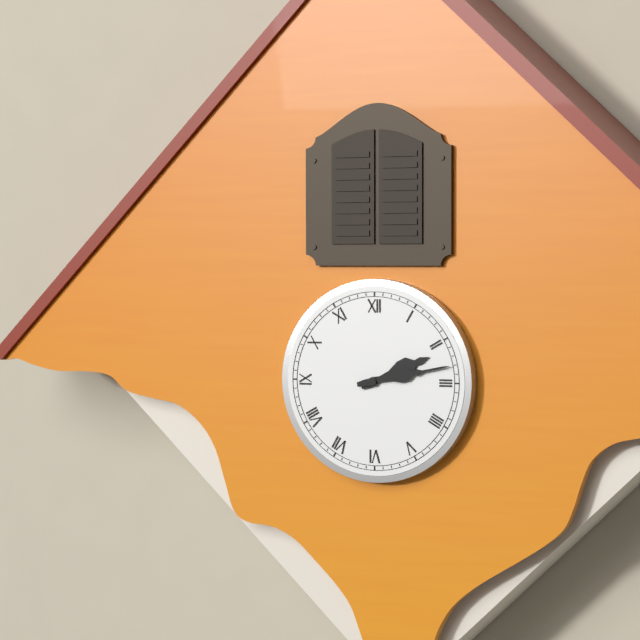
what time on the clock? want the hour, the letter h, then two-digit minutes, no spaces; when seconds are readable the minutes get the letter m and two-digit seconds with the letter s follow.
2h13
